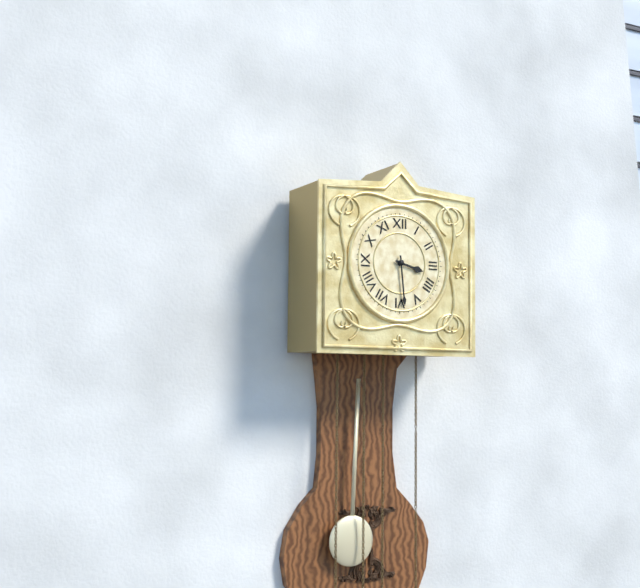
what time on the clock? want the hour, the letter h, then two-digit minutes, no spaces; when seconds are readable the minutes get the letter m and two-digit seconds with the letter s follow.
3h29
